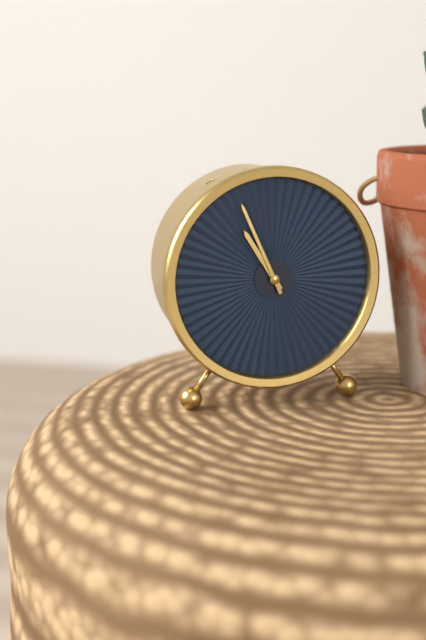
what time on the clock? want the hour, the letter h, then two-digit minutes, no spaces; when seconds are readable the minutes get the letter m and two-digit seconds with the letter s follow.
10h56
